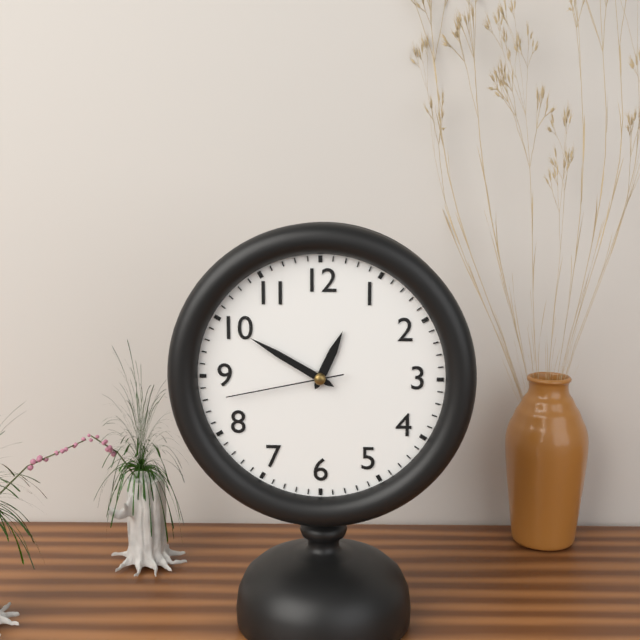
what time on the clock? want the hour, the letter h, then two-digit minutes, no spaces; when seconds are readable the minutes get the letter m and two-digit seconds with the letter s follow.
12h50m43s
